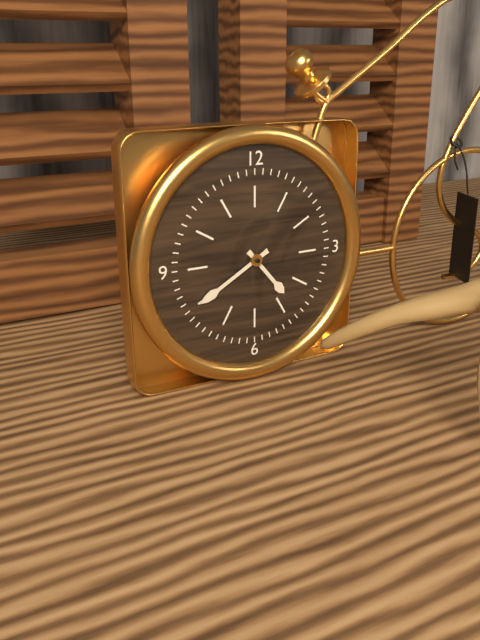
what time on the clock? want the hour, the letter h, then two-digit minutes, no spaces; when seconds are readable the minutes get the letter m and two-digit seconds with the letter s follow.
4h40
